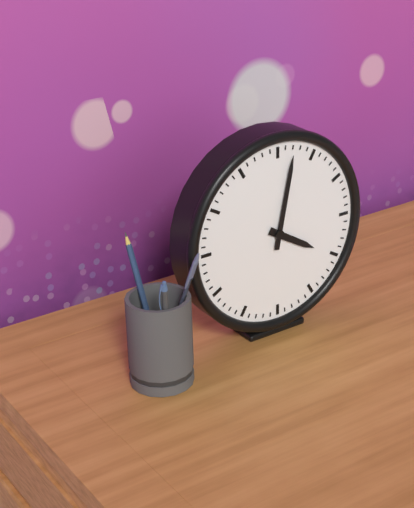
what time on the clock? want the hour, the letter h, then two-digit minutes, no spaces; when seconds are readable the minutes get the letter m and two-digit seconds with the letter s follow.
4h02
